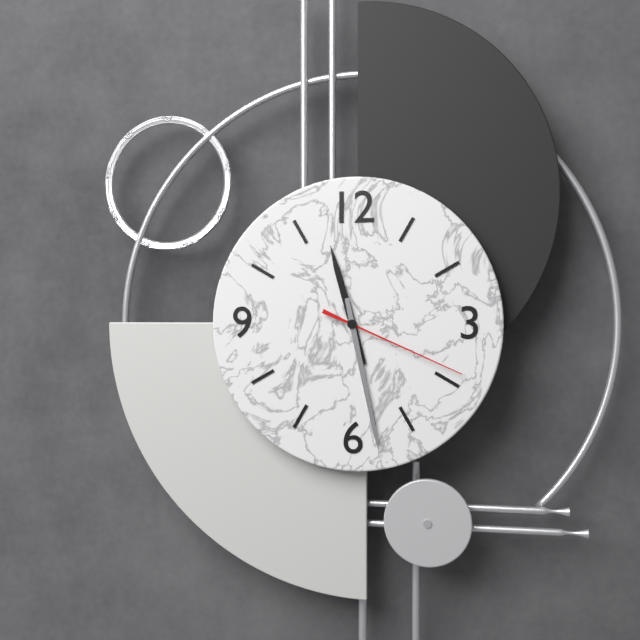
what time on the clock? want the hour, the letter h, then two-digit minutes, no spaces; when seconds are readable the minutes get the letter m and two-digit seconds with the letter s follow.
11h28m19s
